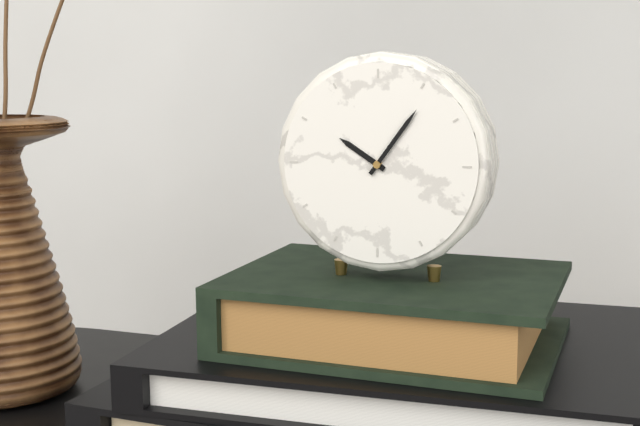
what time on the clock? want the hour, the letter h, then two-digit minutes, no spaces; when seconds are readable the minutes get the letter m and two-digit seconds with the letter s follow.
10h06
